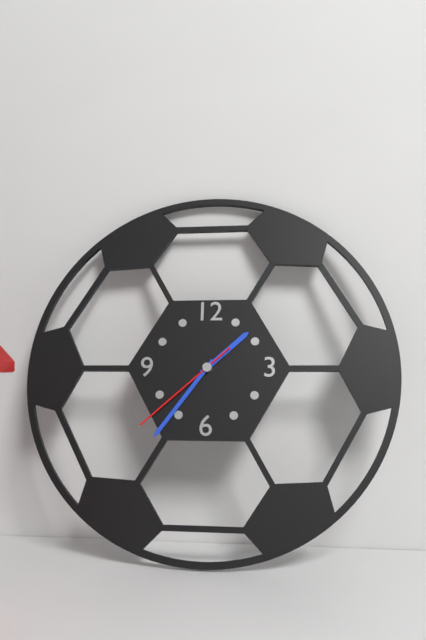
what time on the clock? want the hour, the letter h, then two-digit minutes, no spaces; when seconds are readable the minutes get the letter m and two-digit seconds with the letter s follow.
1h36m38s
